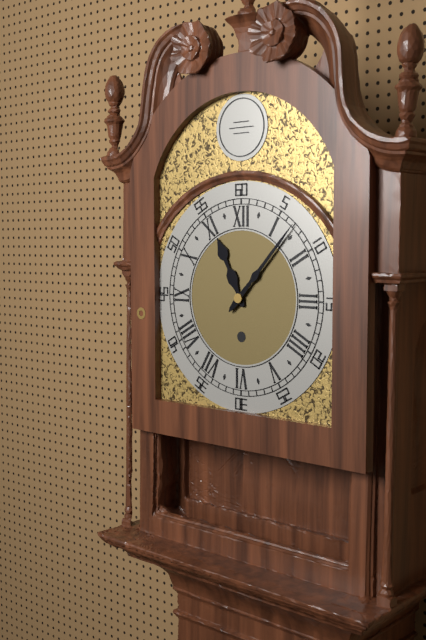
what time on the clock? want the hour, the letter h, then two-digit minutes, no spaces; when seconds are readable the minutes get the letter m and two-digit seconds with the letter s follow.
11h07
